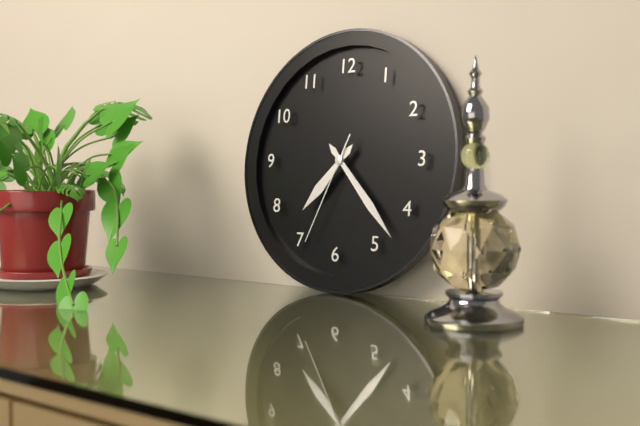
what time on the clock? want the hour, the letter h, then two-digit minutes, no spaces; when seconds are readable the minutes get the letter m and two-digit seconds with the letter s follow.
7h23m34s
